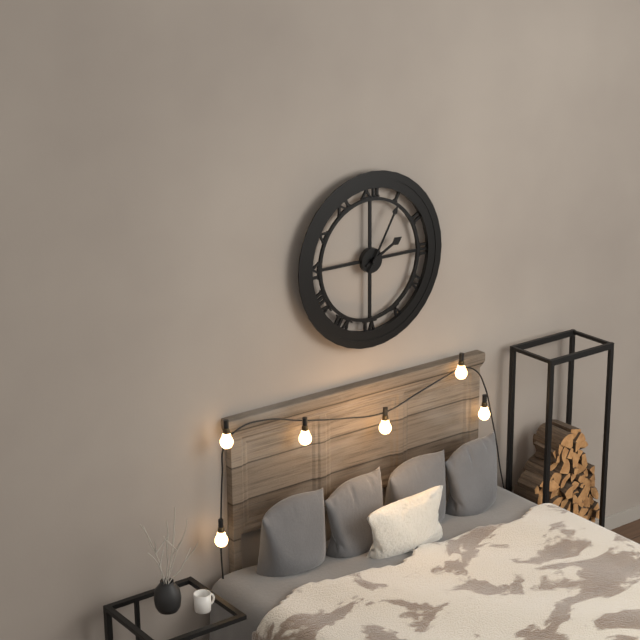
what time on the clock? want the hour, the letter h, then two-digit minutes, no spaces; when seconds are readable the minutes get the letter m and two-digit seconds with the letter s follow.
2h05
